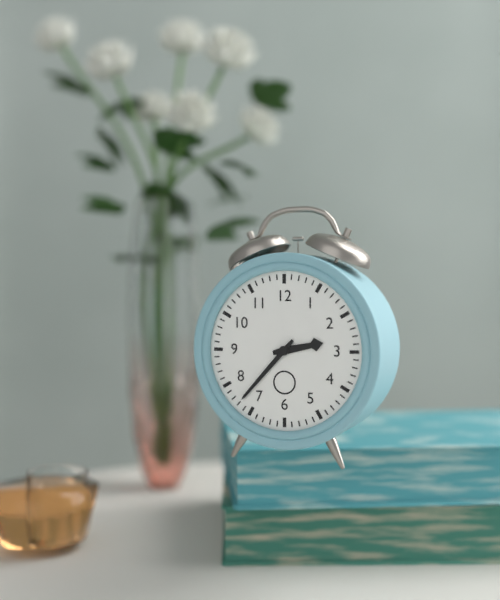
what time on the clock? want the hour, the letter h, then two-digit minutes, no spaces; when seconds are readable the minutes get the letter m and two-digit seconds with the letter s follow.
2h37
